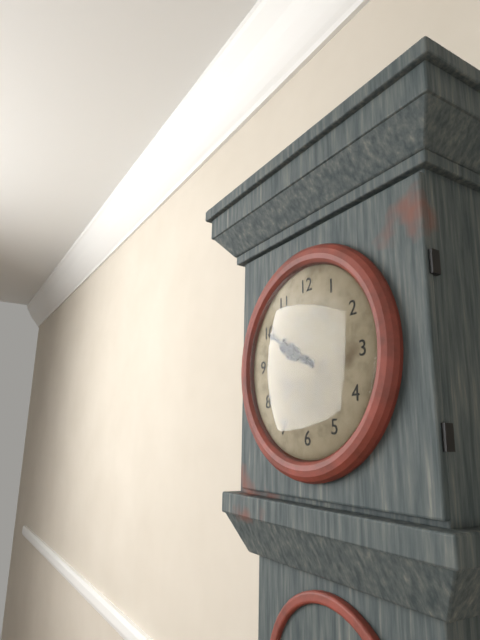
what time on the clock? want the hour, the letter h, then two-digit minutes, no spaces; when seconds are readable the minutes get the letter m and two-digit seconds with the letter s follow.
9h50
